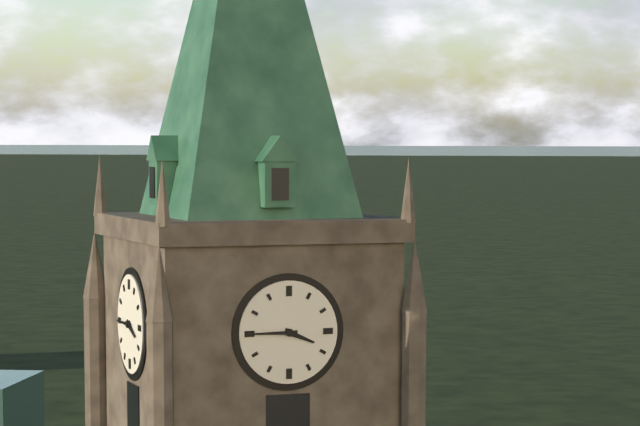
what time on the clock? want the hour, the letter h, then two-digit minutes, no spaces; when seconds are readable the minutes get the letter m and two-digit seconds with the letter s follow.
3h45
